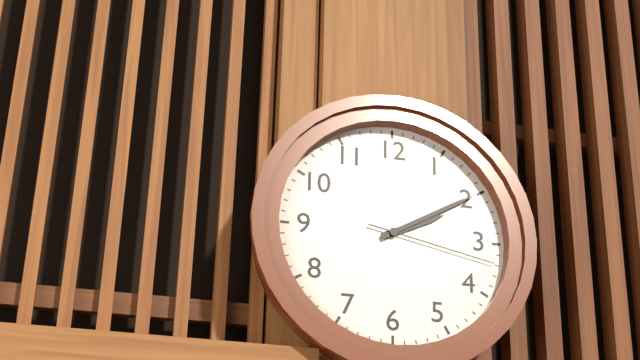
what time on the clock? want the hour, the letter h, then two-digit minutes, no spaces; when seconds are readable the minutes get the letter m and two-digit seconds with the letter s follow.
2h10m17s
